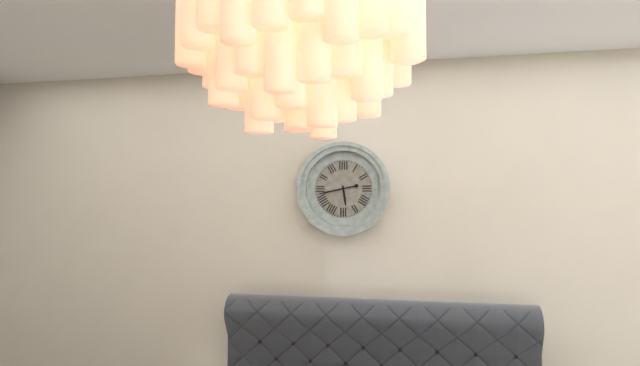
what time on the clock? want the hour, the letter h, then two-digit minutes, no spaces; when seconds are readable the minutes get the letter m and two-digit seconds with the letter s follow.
5h43
